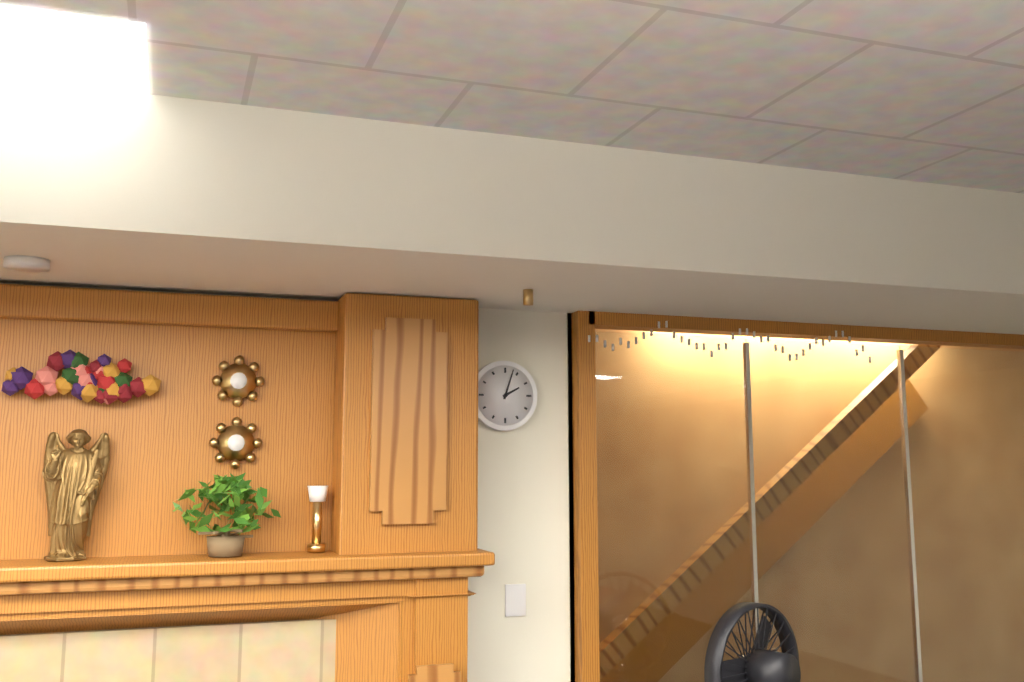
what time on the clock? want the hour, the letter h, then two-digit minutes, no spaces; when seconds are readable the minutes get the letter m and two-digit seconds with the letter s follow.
2h03
